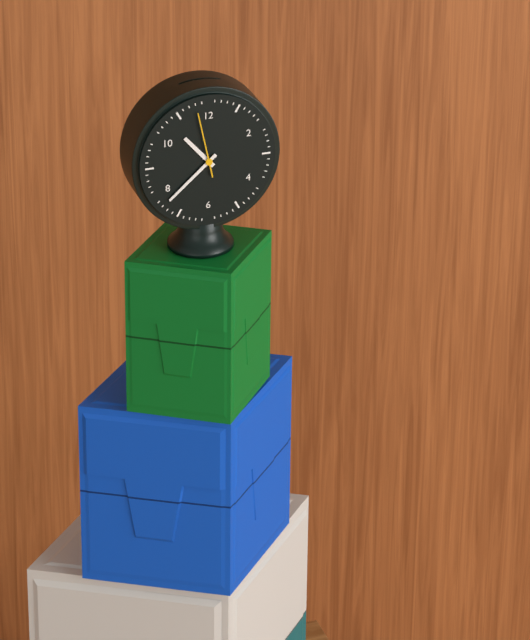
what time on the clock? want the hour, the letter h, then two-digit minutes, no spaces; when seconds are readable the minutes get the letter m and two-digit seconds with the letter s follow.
10h38m58s
